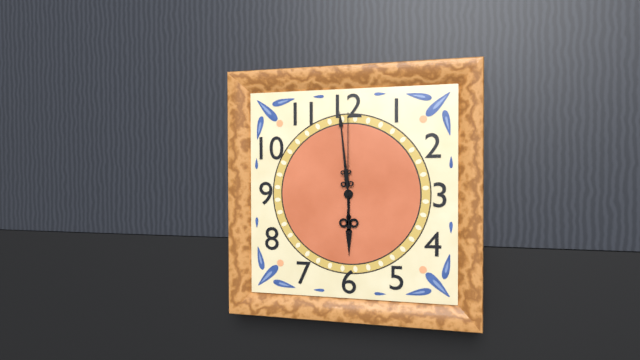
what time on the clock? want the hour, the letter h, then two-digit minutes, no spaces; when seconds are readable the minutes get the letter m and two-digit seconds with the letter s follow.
5h59m00s
